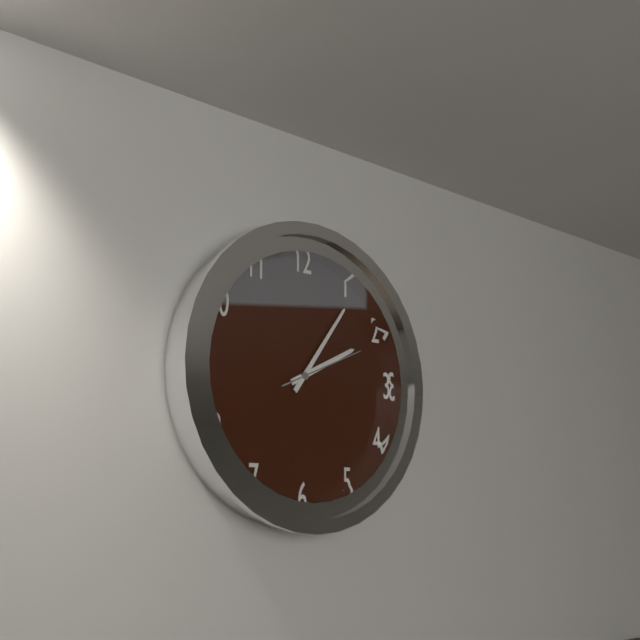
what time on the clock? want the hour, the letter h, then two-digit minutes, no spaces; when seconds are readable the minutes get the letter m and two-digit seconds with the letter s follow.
2h06m11s
